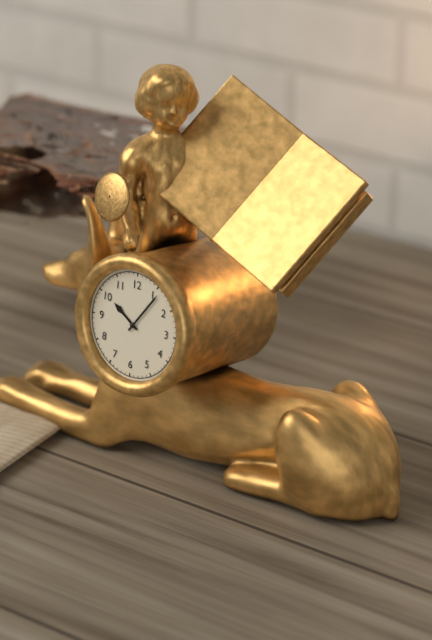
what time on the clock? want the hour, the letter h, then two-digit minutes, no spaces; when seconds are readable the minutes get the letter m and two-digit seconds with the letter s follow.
10h06
